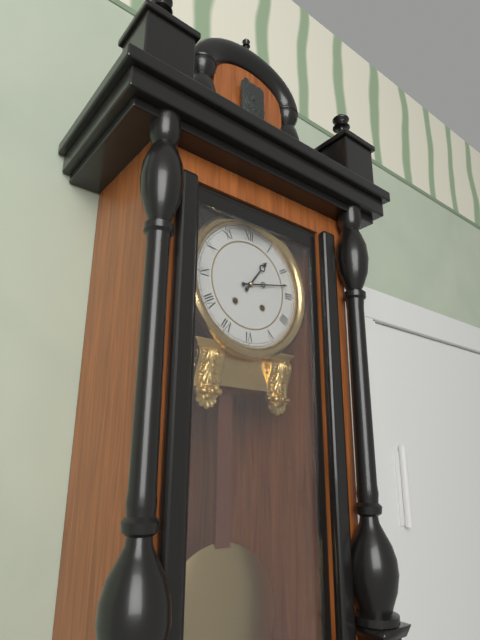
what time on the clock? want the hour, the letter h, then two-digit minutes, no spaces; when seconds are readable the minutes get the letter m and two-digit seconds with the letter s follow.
1h13
